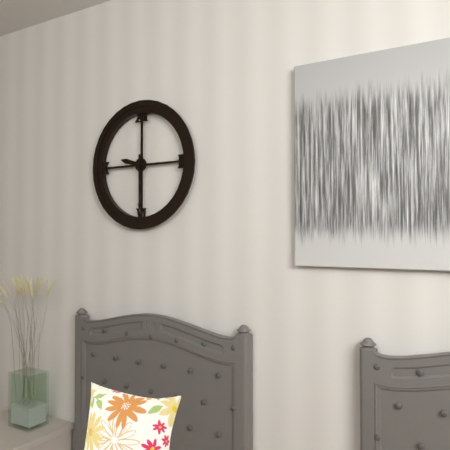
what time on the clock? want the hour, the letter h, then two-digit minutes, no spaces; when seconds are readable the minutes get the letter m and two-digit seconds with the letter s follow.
9h30
